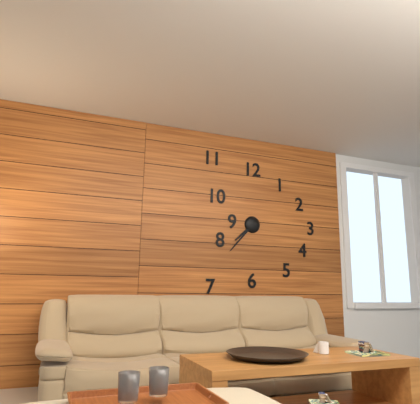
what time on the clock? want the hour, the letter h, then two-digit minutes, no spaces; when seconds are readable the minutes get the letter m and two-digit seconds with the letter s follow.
7h37
